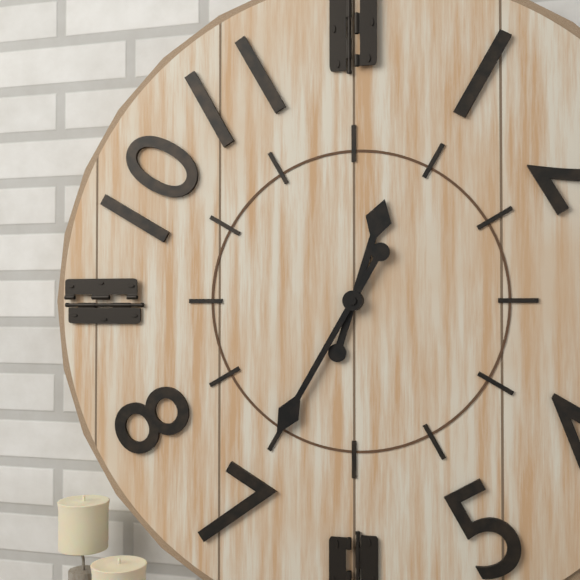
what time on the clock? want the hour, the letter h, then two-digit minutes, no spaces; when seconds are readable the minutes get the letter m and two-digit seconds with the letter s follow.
12h35
